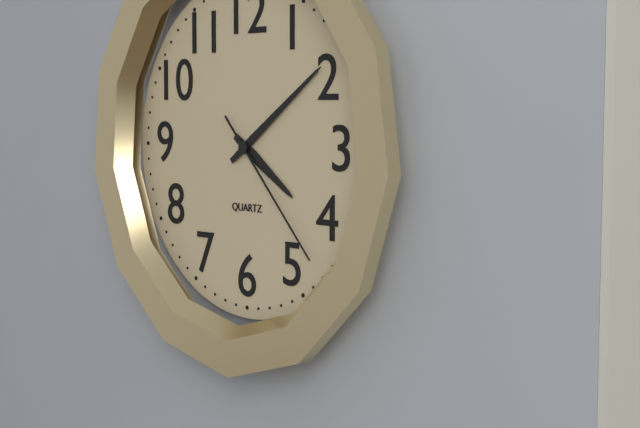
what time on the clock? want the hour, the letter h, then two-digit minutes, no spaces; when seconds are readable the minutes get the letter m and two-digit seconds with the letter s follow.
4h09m23s
